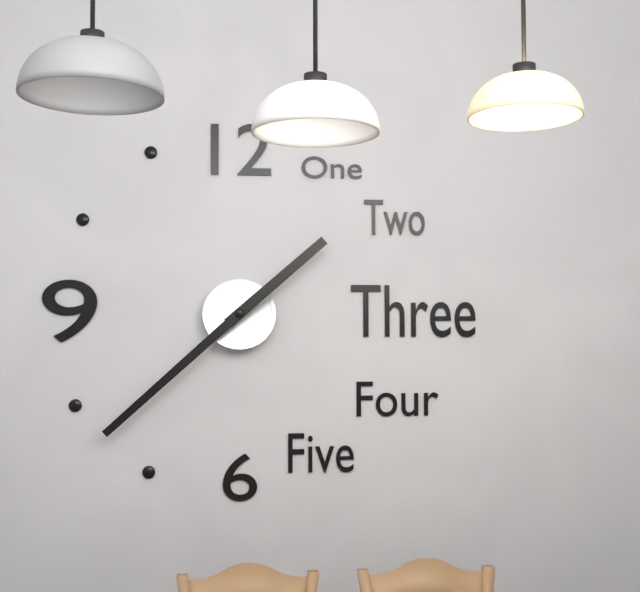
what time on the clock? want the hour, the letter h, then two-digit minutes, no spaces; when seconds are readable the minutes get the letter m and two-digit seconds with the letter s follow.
1h38
